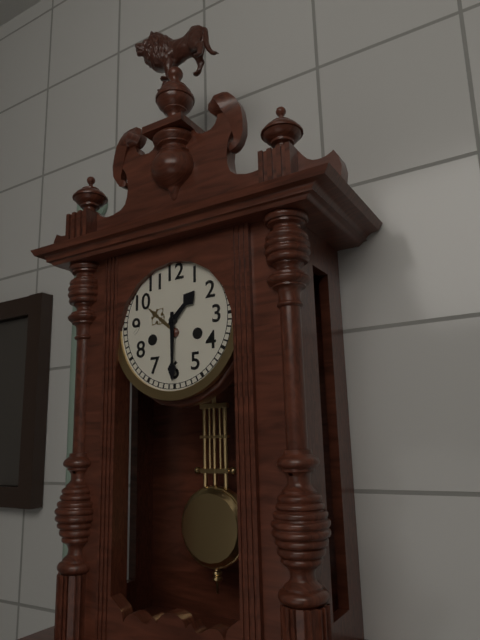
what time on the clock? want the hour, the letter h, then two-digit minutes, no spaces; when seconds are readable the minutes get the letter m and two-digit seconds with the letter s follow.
1h30
